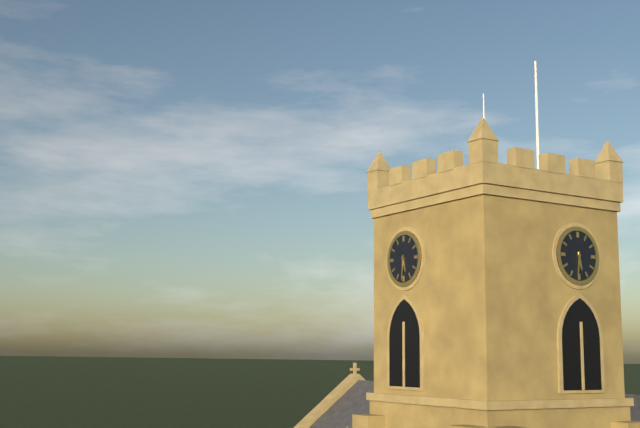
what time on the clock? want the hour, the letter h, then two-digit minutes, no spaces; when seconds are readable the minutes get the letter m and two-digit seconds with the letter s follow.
5h31
